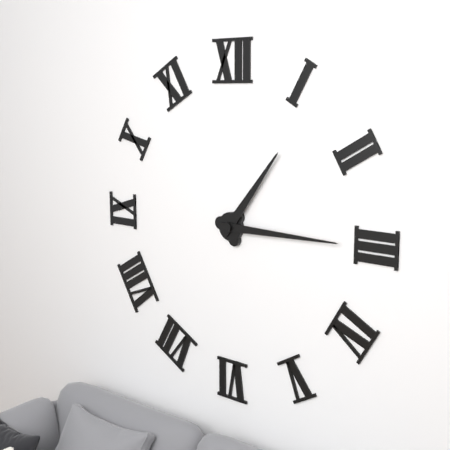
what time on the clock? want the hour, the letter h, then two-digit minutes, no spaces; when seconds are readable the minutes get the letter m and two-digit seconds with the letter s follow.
1h15
